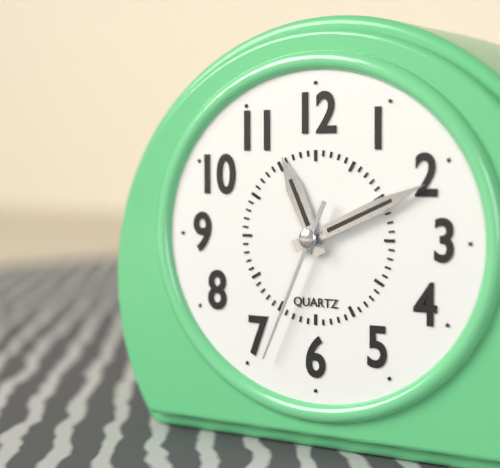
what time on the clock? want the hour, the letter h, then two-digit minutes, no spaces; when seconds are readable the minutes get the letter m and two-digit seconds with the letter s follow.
11h11m34s
